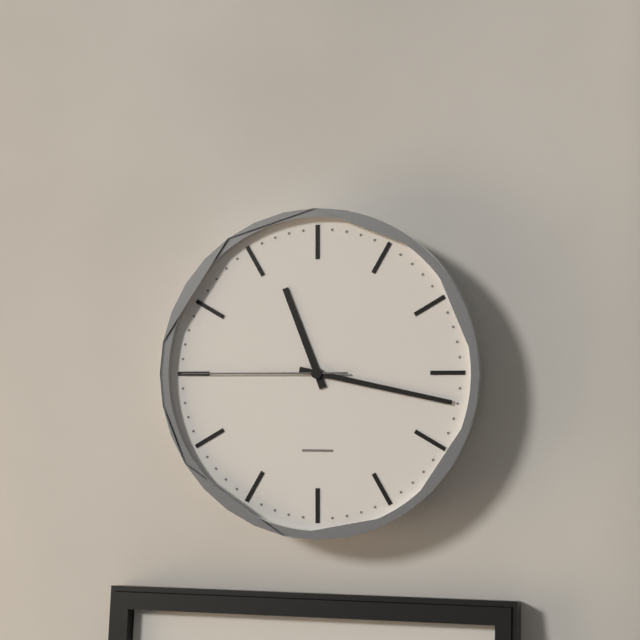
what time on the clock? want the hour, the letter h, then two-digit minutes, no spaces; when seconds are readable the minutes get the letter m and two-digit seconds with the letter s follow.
11h17m45s
